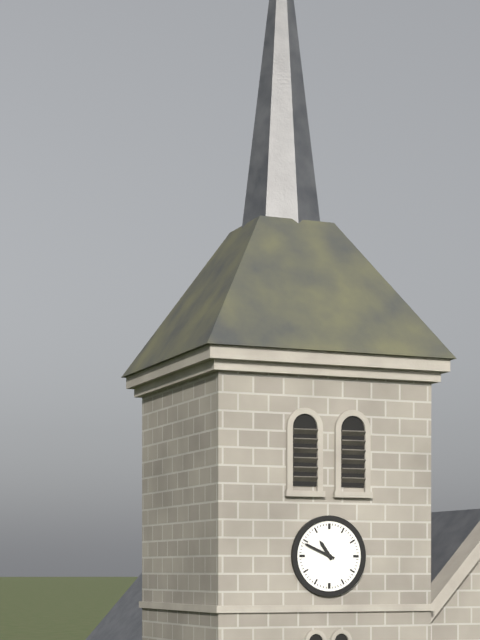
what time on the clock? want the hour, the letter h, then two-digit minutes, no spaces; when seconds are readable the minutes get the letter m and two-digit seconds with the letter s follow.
10h49
